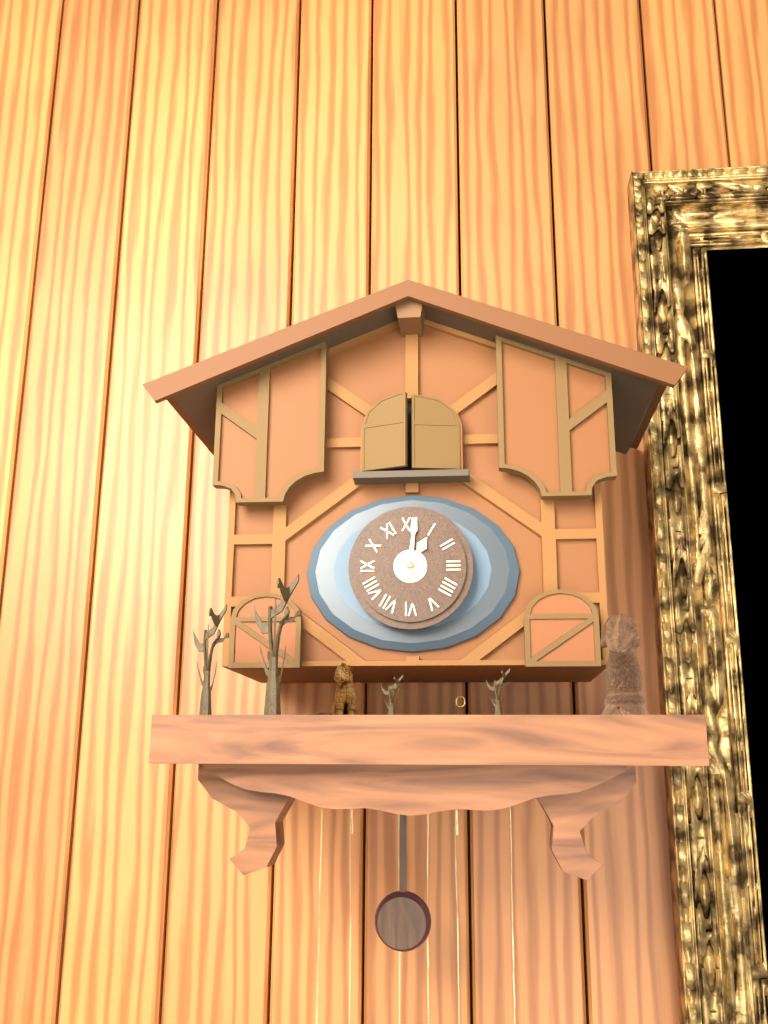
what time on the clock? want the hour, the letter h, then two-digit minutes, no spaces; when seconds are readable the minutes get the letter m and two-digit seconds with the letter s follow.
1h01
